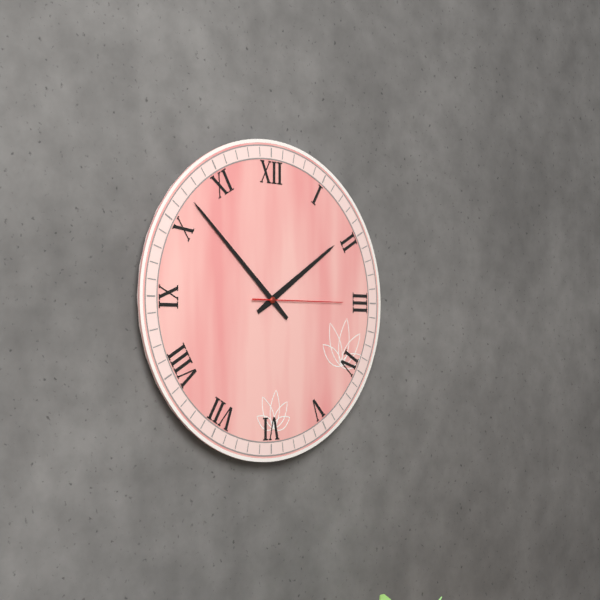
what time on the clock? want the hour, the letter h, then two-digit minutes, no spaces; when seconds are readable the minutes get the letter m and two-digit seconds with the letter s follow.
1h52m15s
